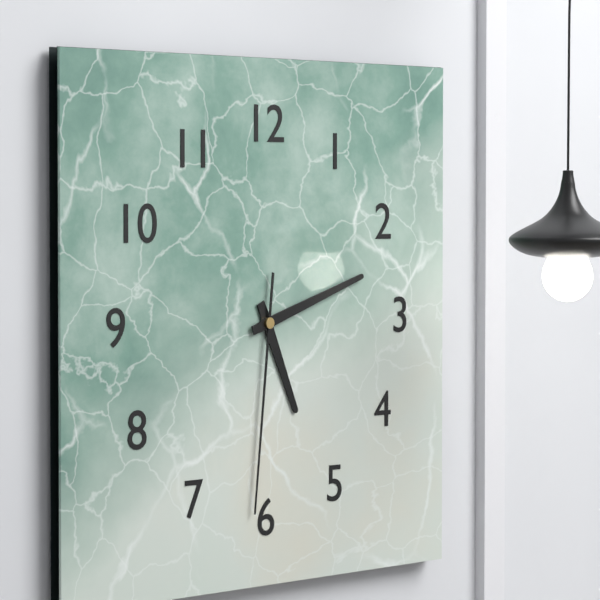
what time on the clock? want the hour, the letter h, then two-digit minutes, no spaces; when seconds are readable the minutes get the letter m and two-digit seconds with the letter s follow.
5h12m31s
